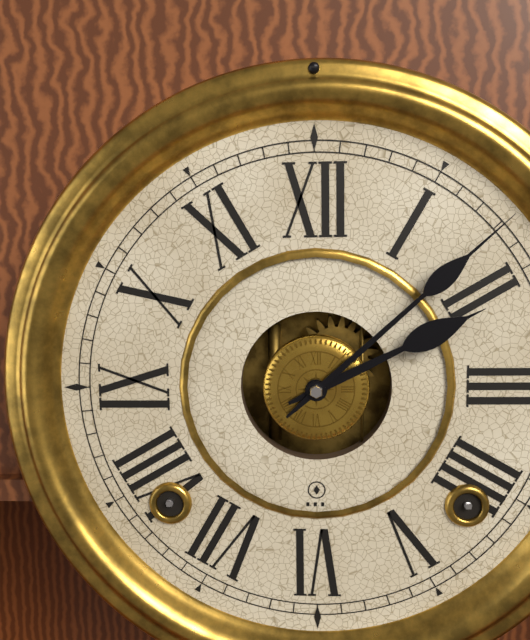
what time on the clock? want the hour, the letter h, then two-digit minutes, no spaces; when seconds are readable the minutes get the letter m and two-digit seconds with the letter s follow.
2h08
